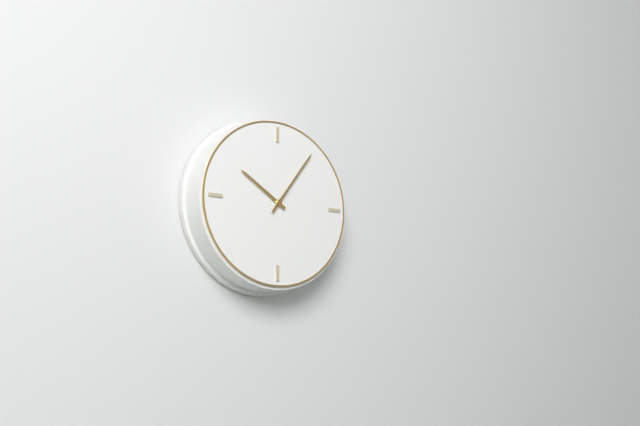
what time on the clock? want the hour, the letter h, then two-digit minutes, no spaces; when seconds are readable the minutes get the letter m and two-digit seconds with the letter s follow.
10h06
